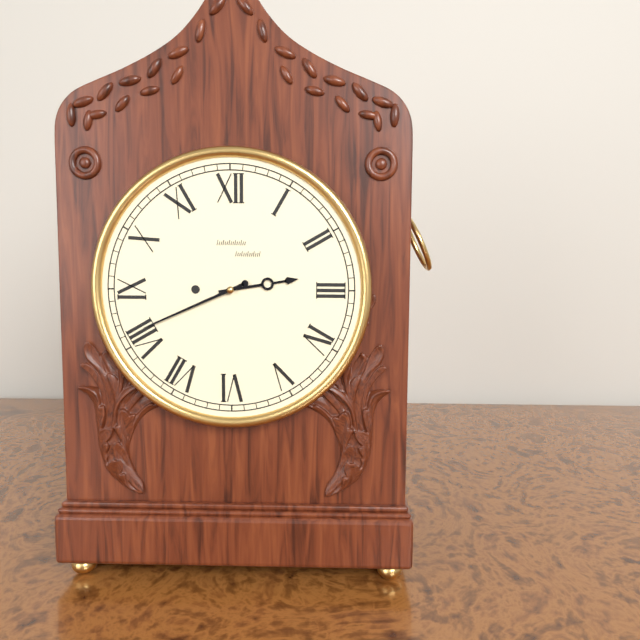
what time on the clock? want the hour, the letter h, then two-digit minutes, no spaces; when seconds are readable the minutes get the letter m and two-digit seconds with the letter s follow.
2h41
